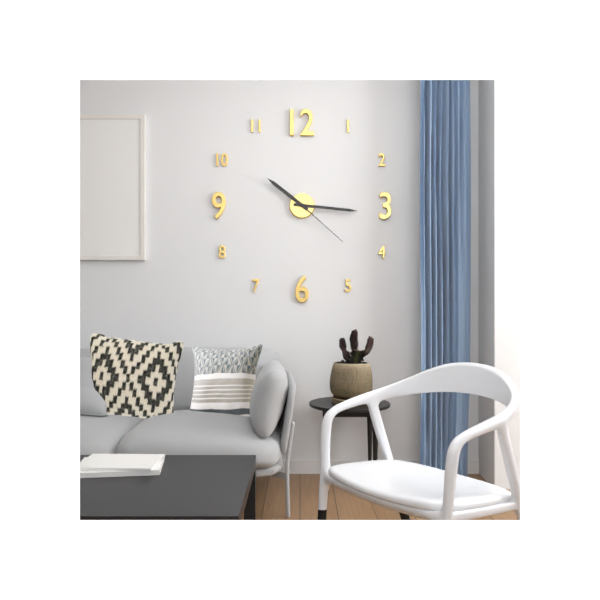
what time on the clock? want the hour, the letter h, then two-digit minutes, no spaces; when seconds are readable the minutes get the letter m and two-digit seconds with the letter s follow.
10h16m22s
